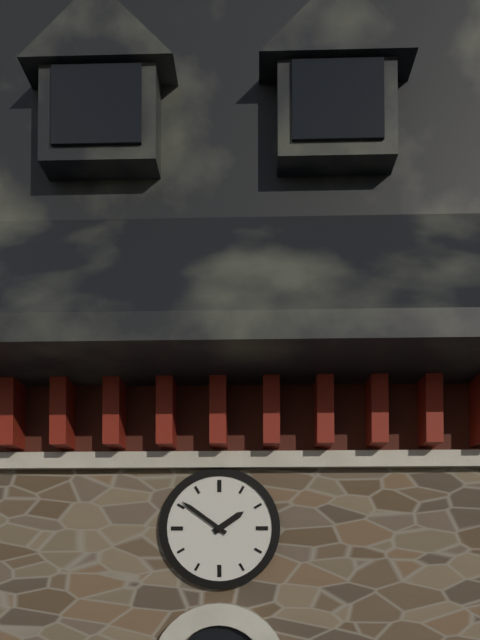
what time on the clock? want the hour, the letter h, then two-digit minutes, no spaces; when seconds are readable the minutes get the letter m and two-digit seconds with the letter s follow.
1h51
